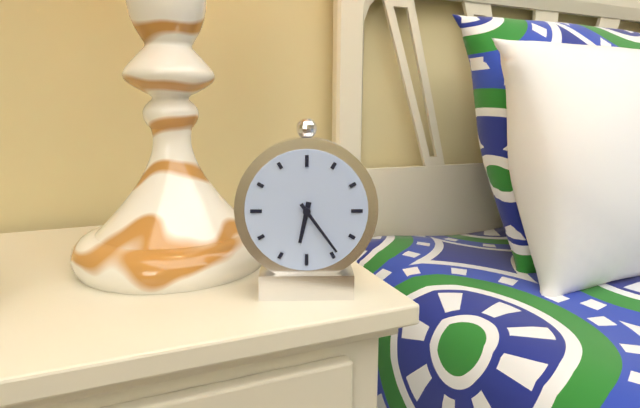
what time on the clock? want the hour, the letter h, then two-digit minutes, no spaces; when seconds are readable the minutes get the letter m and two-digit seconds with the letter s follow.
6h24
